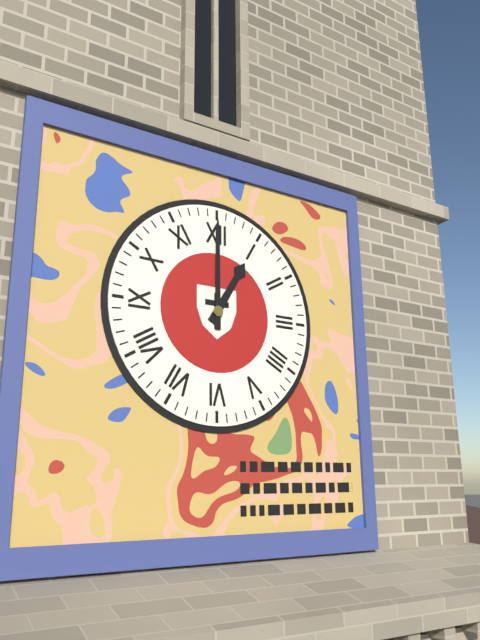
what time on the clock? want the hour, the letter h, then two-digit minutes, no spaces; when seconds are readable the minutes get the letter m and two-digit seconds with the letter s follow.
1h00
